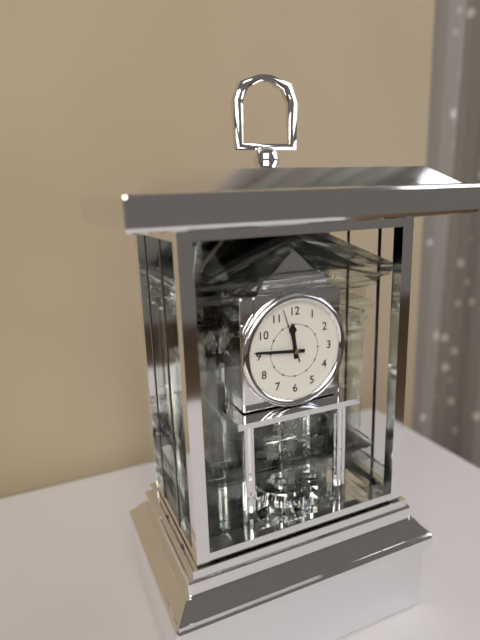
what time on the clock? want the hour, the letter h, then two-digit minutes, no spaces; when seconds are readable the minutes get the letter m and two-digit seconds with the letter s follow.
11h46m57s
